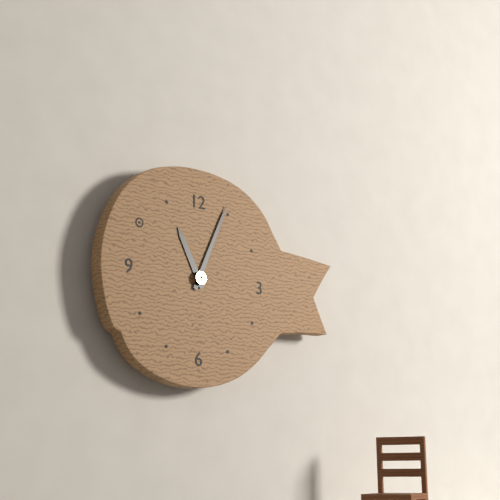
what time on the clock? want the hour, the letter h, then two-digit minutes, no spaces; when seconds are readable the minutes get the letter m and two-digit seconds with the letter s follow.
11h04
